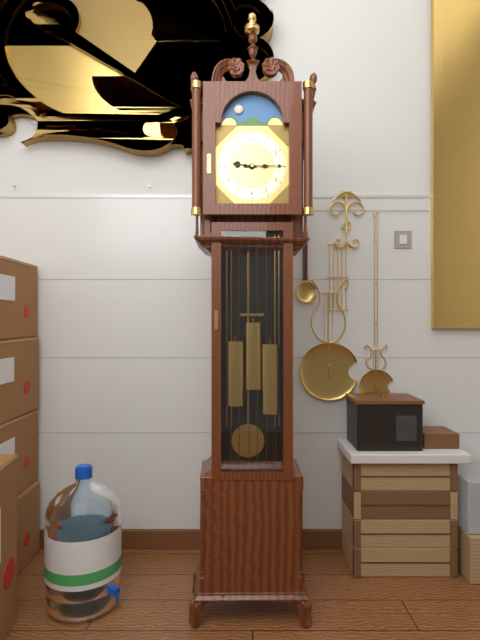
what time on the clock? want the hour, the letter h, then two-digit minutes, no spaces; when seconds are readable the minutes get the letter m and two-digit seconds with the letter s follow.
9h15
